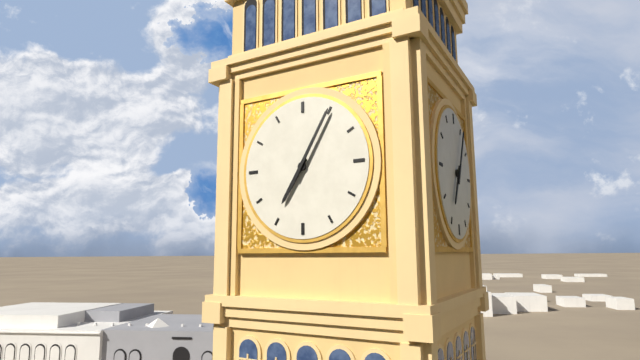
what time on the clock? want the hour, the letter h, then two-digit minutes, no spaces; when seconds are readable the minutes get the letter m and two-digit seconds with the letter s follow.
7h05
